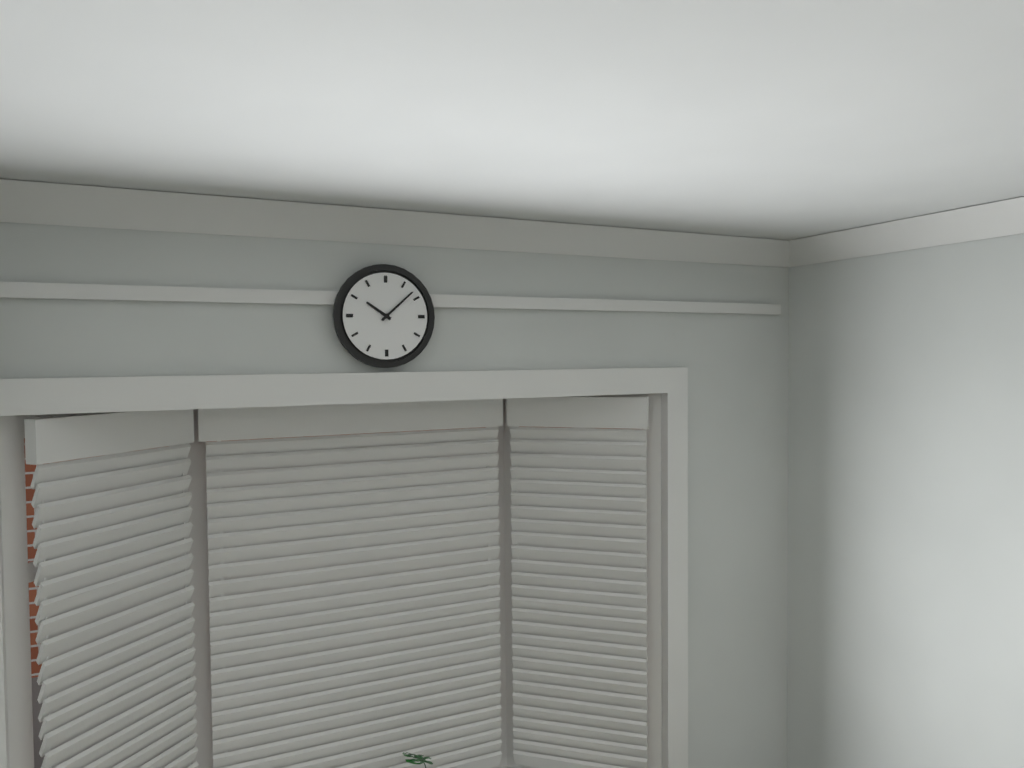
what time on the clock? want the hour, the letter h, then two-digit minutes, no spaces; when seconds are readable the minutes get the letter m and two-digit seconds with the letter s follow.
10h08
